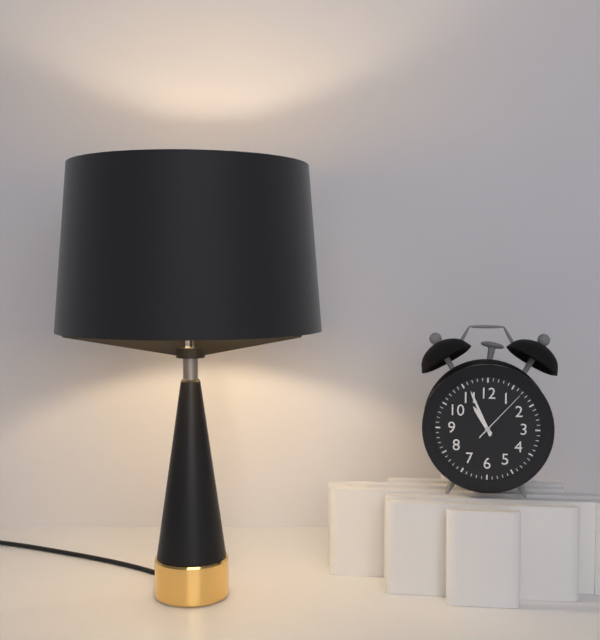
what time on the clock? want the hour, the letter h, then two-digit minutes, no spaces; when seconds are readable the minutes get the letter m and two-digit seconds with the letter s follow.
10h56m07s
